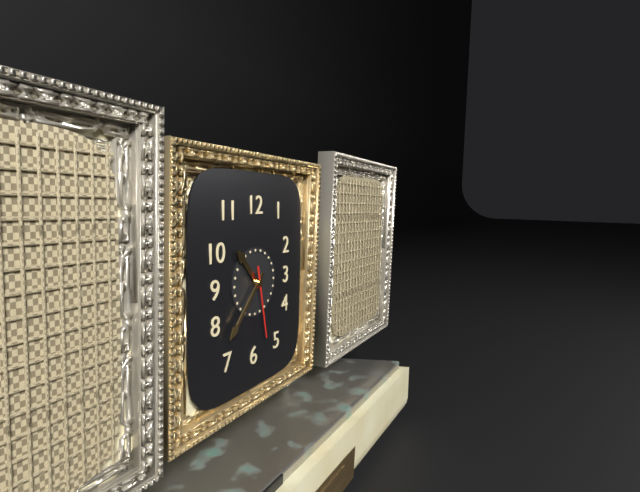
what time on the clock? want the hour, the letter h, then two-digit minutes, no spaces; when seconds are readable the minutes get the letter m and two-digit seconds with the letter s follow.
10h37m28s
